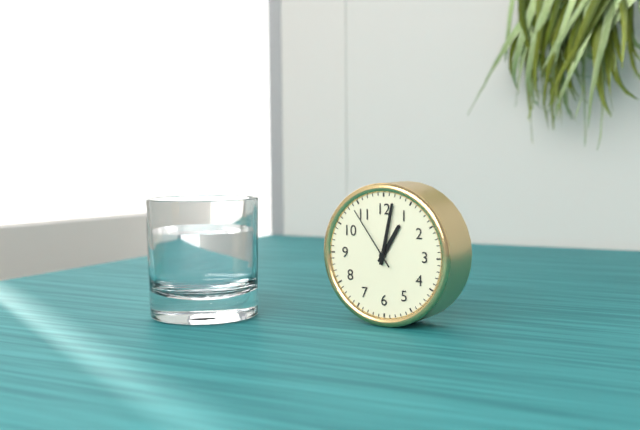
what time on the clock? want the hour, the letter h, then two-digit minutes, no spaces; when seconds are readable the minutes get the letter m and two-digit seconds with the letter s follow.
1h02m54s
